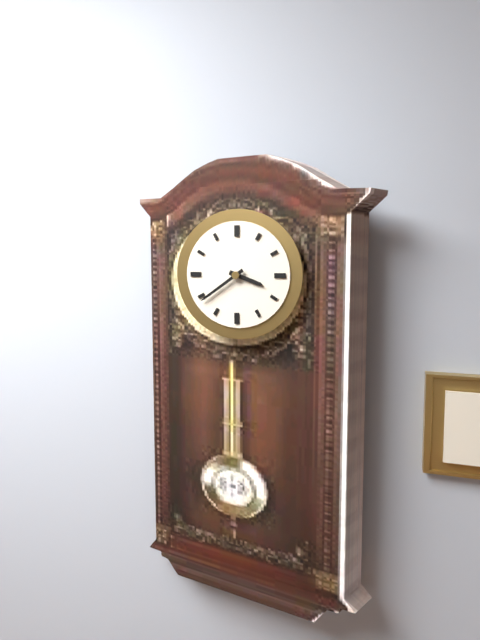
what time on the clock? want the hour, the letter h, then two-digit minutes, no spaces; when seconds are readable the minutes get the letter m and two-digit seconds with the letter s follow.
3h39
